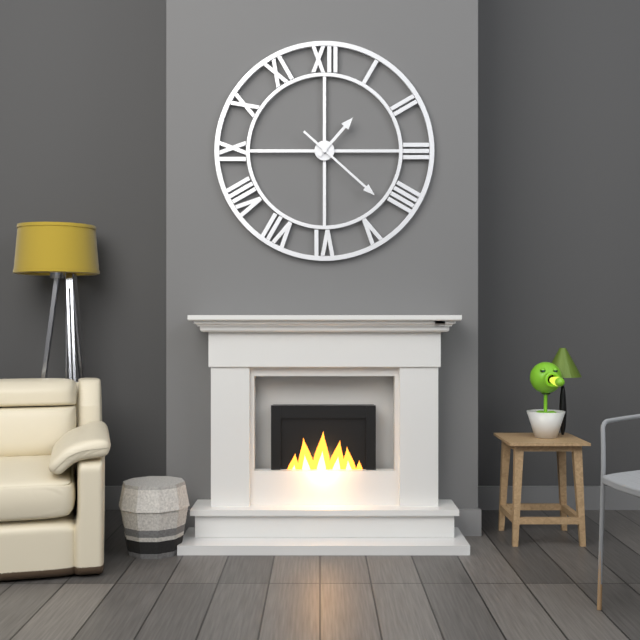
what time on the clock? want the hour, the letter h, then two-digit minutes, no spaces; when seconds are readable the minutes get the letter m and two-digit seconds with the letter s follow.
1h22
